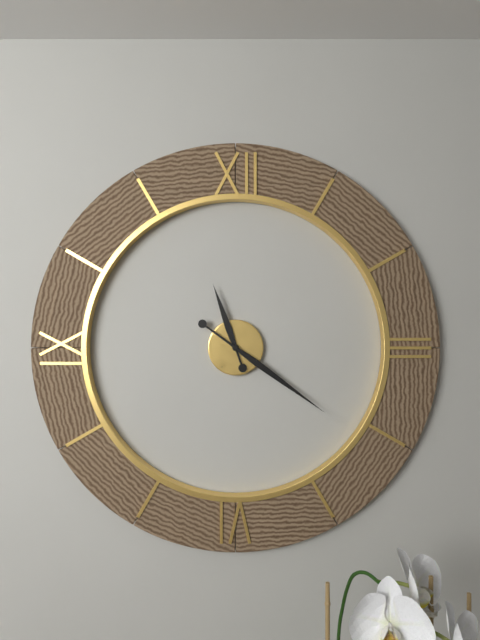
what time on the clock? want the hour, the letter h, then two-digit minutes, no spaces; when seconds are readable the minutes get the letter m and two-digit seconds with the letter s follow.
11h21
